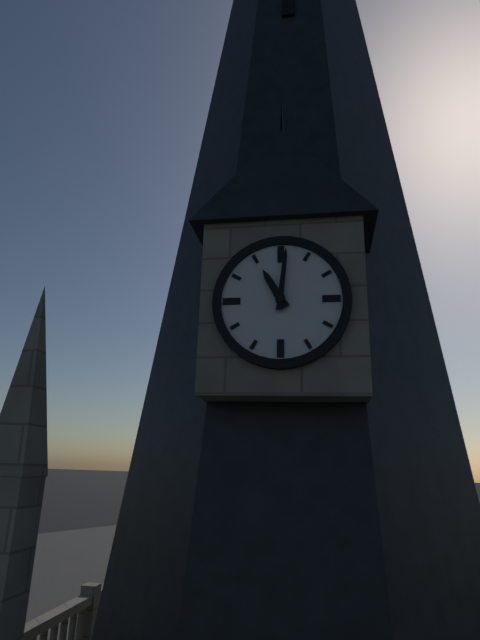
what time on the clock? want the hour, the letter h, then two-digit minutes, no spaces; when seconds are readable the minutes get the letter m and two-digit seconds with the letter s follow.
11h01
